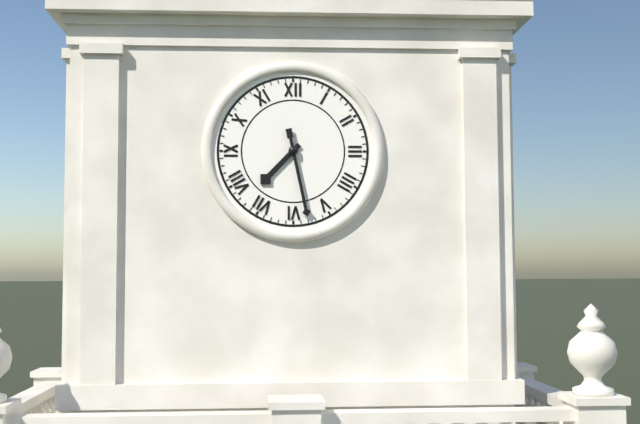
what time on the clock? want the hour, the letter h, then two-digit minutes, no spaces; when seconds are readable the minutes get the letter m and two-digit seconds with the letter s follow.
7h28
